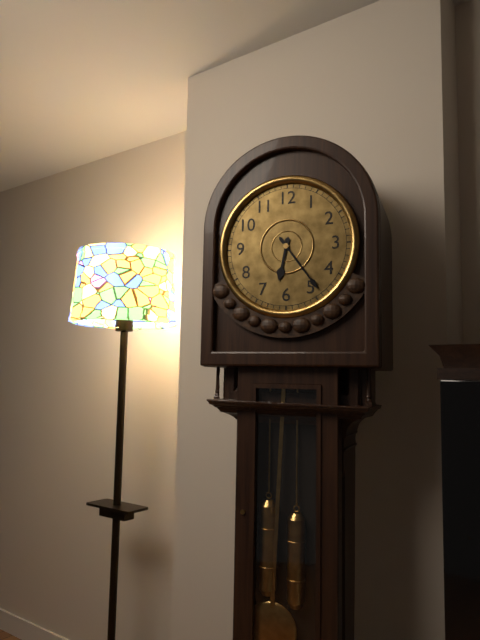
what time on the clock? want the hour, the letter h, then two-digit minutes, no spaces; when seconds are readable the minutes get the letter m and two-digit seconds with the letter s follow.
6h24
